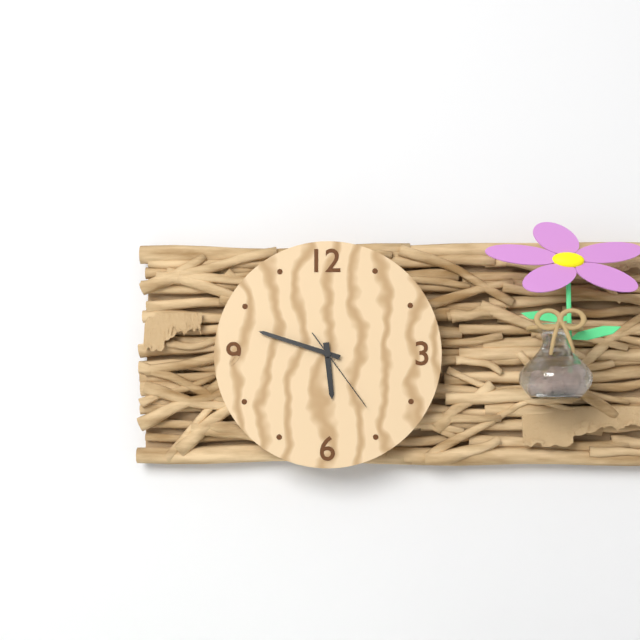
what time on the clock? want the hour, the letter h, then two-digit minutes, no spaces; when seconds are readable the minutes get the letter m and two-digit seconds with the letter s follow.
5h48m24s
